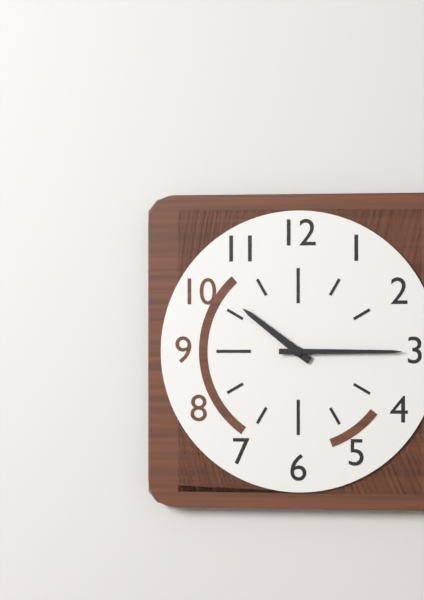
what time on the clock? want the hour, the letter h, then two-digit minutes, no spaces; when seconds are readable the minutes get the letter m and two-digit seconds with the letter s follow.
10h15
